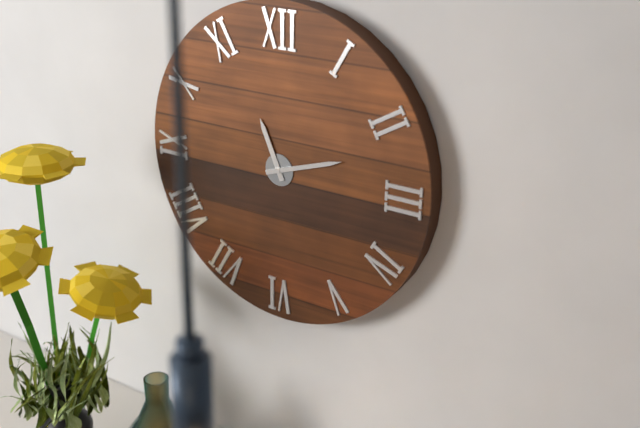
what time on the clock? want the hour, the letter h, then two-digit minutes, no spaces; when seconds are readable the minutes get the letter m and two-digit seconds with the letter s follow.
11h12
